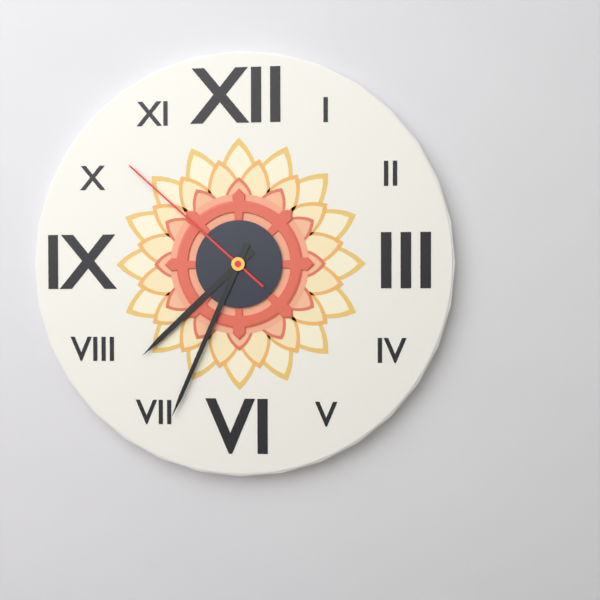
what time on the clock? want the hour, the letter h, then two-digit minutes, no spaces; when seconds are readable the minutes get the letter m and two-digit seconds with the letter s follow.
7h34m52s
